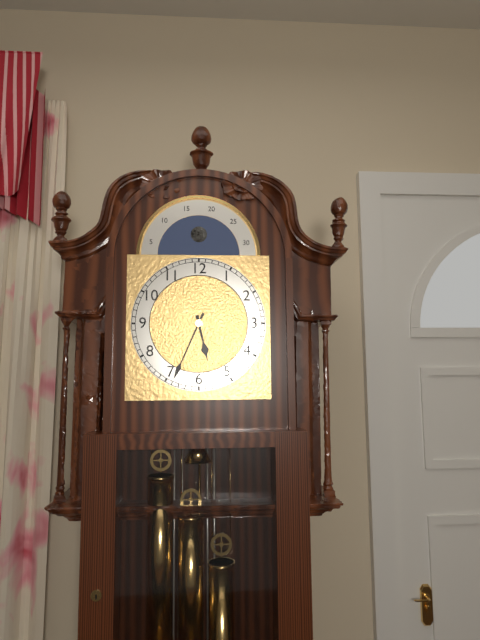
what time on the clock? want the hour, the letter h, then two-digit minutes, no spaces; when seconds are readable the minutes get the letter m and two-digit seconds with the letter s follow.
5h34
